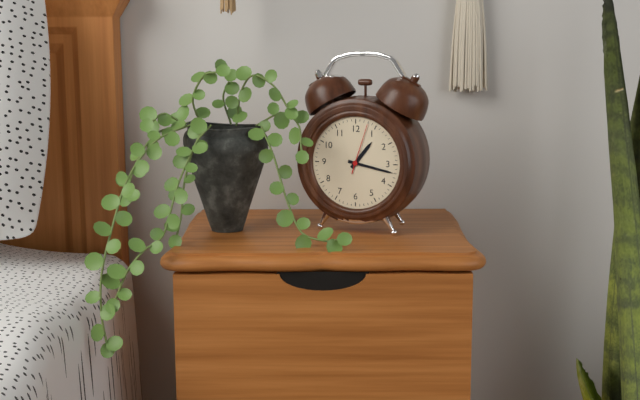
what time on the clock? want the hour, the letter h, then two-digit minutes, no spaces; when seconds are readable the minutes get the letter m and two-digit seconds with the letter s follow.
1h17m03s
